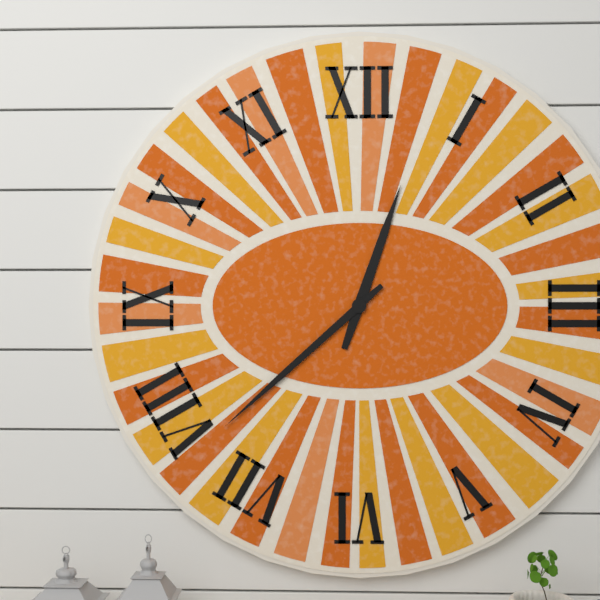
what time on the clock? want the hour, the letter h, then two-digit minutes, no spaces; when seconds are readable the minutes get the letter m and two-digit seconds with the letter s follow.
12h38
